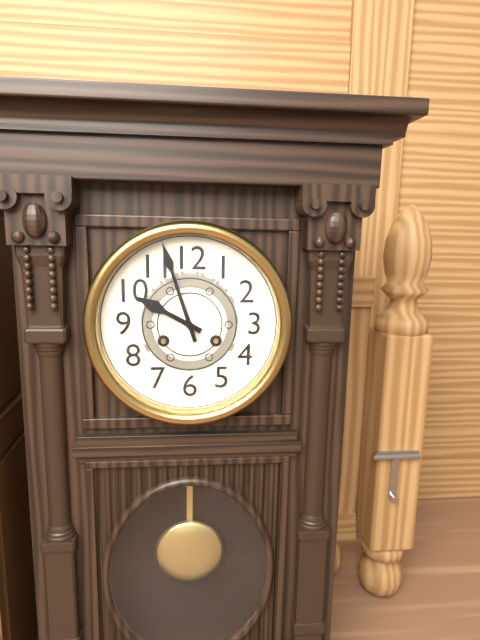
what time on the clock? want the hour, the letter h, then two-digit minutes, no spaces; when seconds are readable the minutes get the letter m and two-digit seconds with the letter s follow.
9h57
